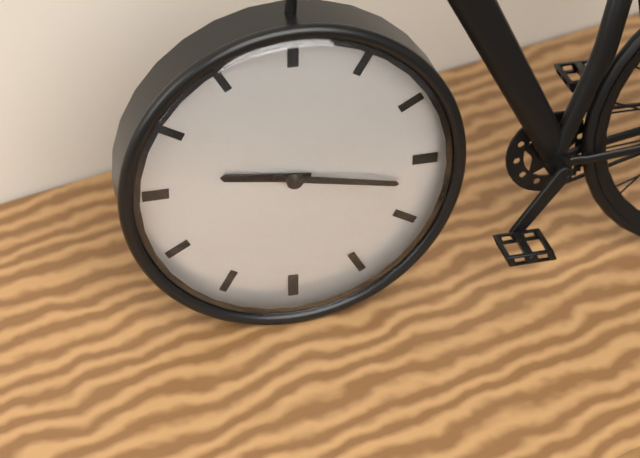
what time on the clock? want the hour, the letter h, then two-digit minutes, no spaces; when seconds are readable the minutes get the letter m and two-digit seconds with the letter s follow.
9h17
